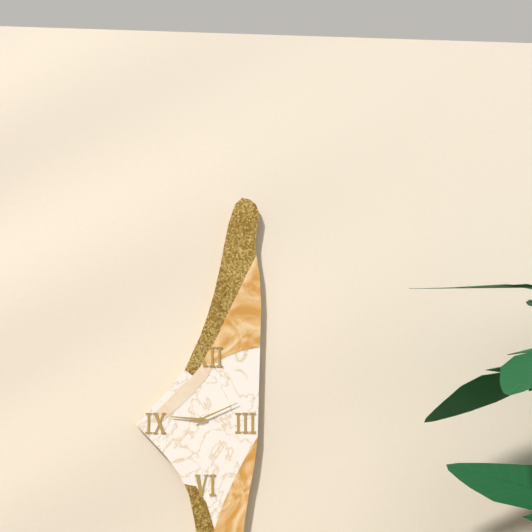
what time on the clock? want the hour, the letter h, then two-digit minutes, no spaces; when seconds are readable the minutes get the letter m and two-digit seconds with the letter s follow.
9h11
